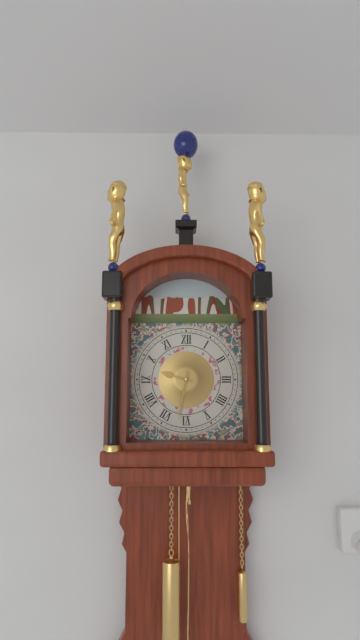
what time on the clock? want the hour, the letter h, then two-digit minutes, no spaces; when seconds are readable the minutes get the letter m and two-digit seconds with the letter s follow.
9h32
